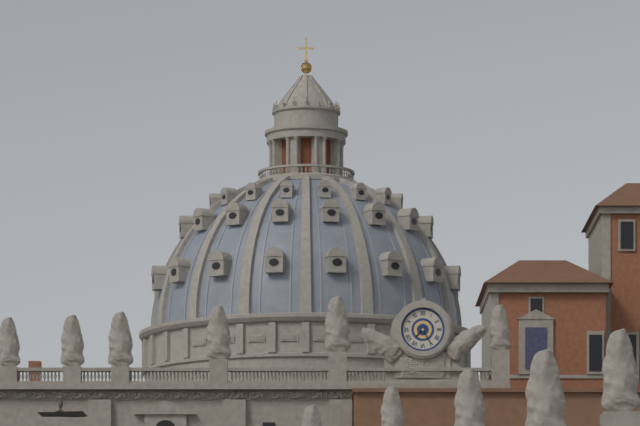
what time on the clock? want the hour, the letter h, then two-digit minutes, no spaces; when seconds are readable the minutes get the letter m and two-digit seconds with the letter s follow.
7h25
